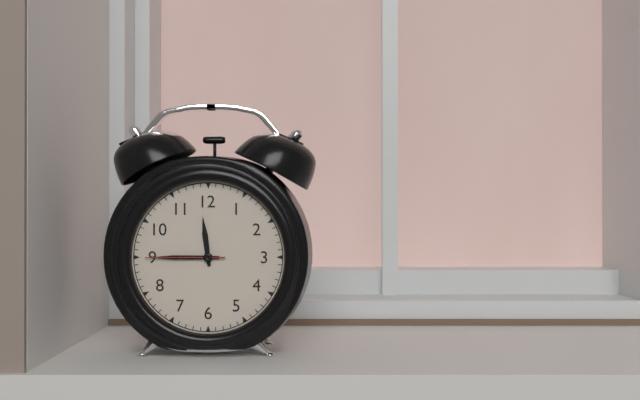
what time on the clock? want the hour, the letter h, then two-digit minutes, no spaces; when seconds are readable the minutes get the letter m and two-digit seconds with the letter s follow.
11h45m45s
